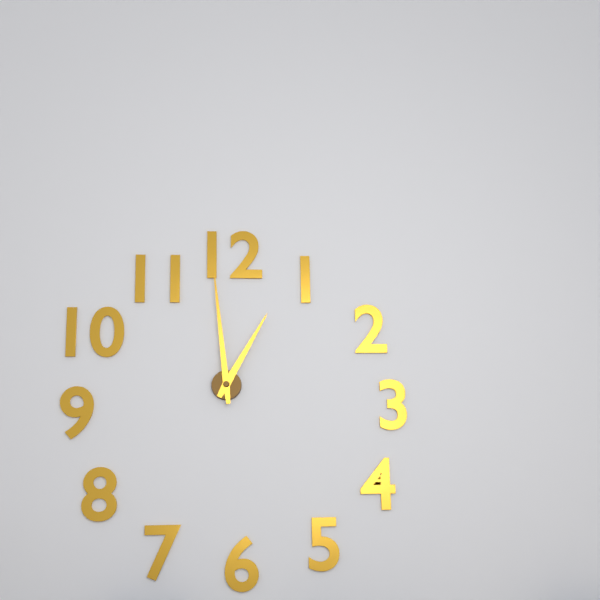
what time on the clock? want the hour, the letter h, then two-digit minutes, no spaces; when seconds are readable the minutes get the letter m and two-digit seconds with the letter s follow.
12h59
